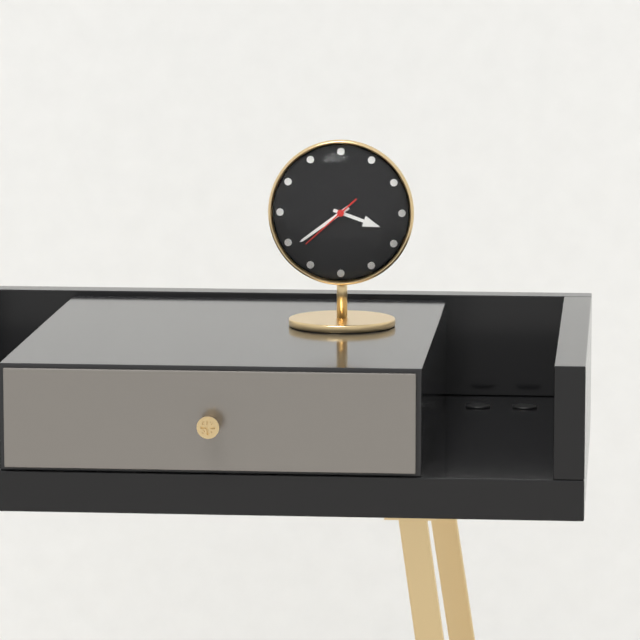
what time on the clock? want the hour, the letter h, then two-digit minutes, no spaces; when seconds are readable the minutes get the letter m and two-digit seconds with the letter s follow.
3h39m38s
